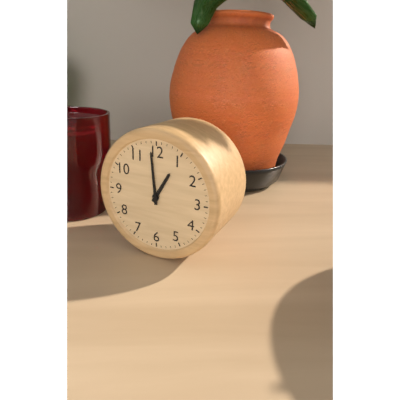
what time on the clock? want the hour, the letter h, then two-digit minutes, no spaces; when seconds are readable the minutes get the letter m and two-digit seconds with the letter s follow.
12h59
